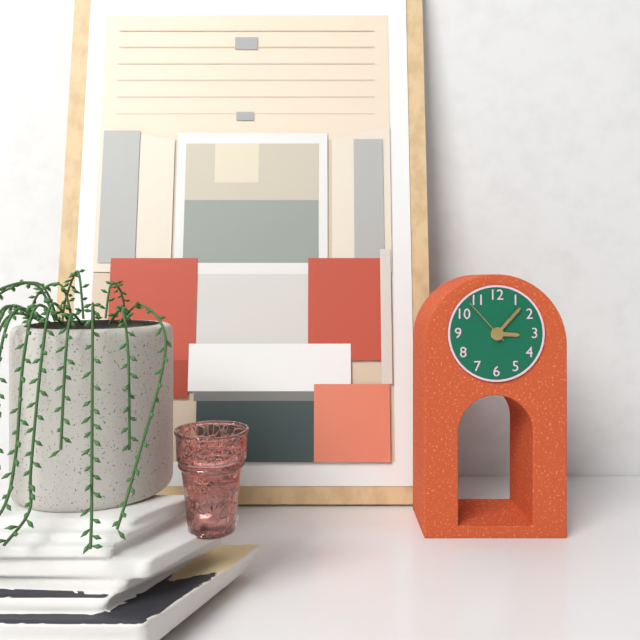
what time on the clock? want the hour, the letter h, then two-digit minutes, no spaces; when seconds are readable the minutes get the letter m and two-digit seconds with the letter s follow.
3h07m53s
